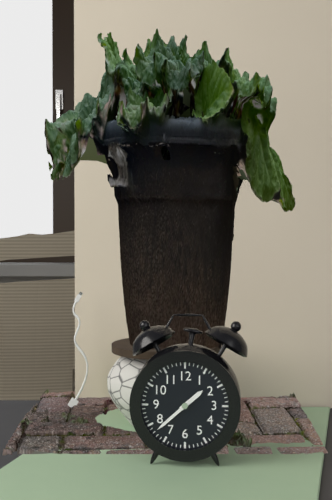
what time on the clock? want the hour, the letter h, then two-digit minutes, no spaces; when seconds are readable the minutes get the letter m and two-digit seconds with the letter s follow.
1h38
